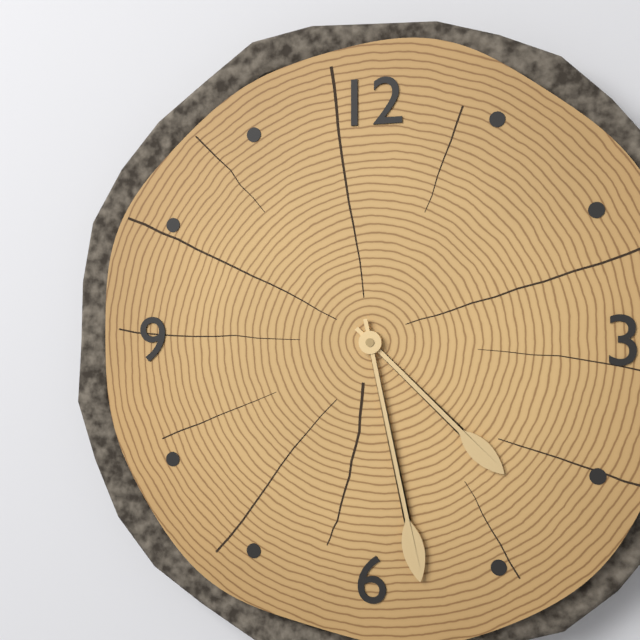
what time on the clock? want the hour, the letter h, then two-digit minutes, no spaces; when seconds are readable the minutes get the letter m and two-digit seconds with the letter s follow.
4h28
